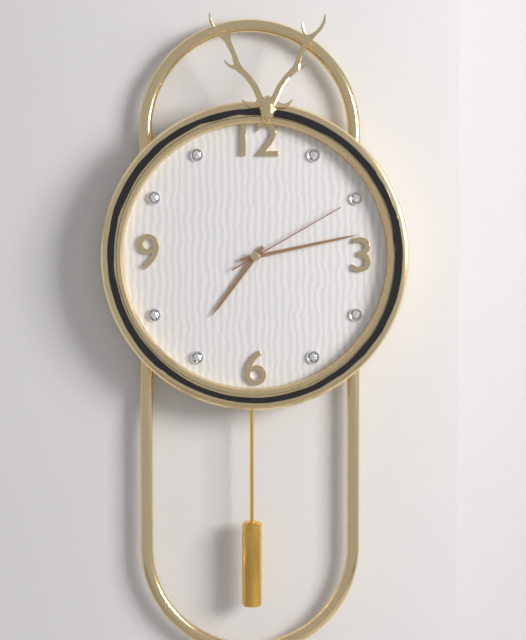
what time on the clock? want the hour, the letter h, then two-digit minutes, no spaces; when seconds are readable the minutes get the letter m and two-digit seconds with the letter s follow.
7h13m10s
